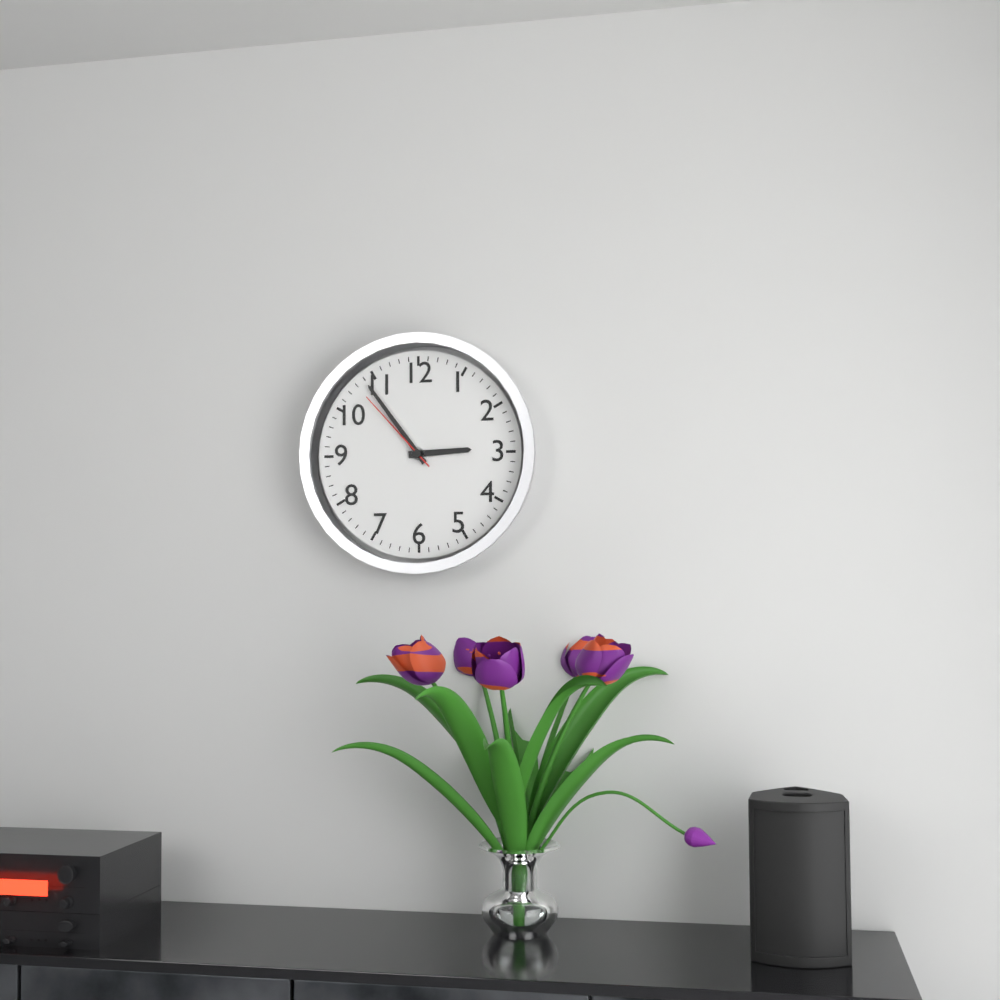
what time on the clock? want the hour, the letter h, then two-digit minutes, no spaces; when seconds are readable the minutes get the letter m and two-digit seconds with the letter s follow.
2h54m53s
